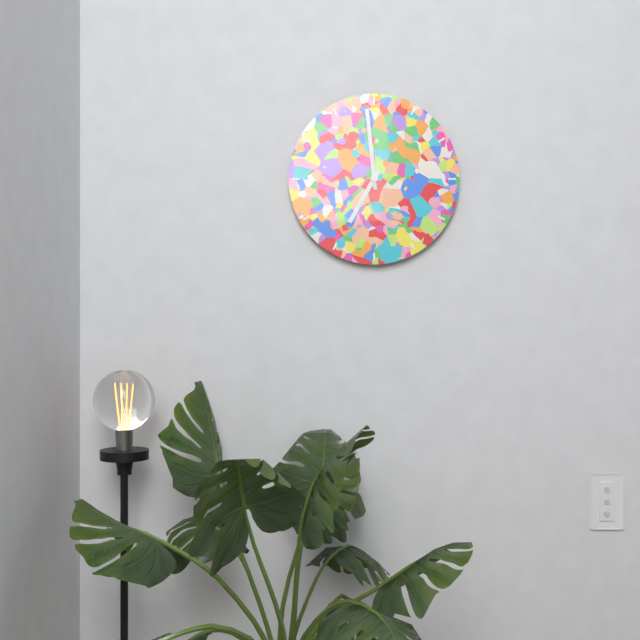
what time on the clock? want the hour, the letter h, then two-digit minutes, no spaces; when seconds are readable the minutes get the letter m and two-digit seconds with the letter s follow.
6h59
